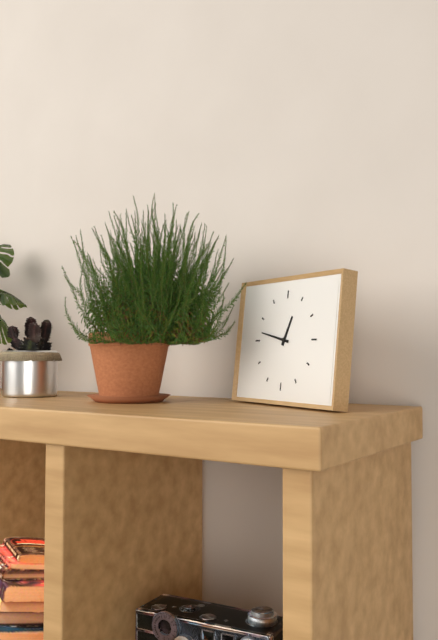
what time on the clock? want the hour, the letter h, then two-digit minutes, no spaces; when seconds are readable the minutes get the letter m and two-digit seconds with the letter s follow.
12h47
